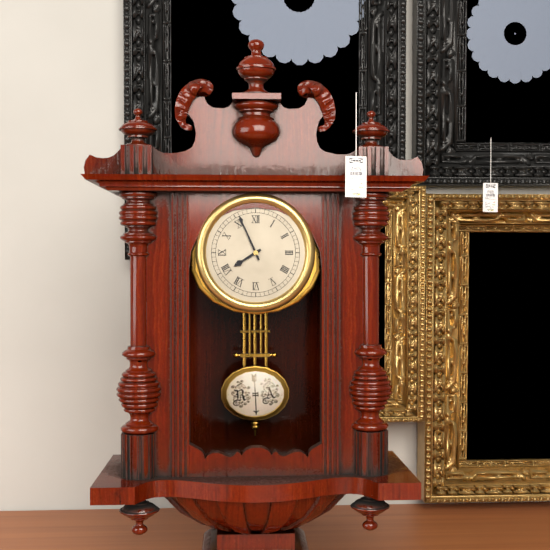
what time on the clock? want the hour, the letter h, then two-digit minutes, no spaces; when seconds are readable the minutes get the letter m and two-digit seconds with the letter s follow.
7h56
